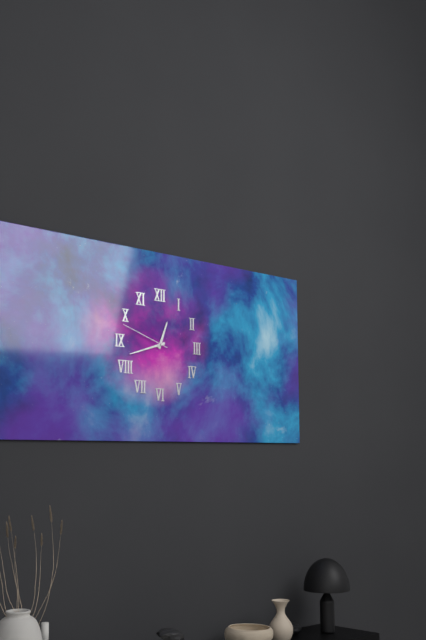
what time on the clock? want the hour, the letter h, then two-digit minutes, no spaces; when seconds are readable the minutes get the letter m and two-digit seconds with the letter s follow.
12h42m48s
